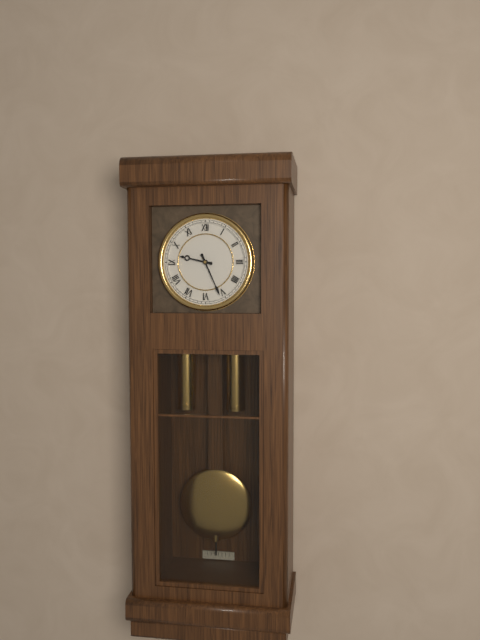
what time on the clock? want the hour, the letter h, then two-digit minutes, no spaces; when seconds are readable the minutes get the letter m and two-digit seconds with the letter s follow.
9h26
